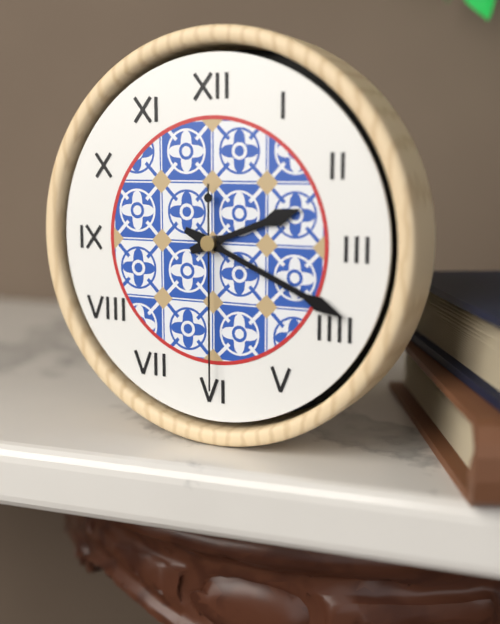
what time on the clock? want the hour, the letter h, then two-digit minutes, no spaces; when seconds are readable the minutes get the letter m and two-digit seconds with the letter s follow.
2h19m30s
